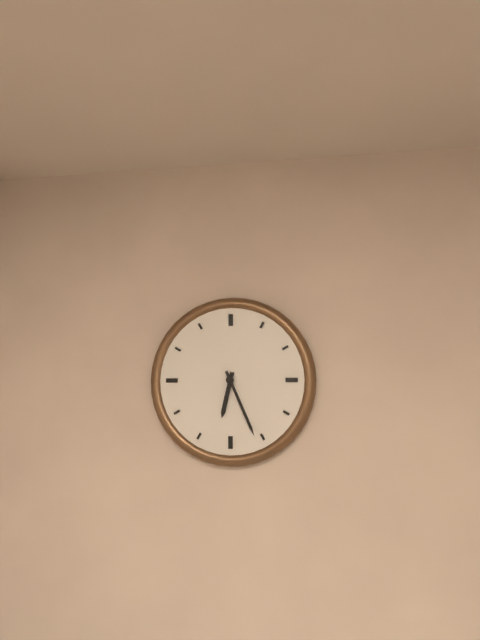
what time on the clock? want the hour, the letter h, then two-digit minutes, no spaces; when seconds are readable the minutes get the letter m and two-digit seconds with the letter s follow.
6h26
